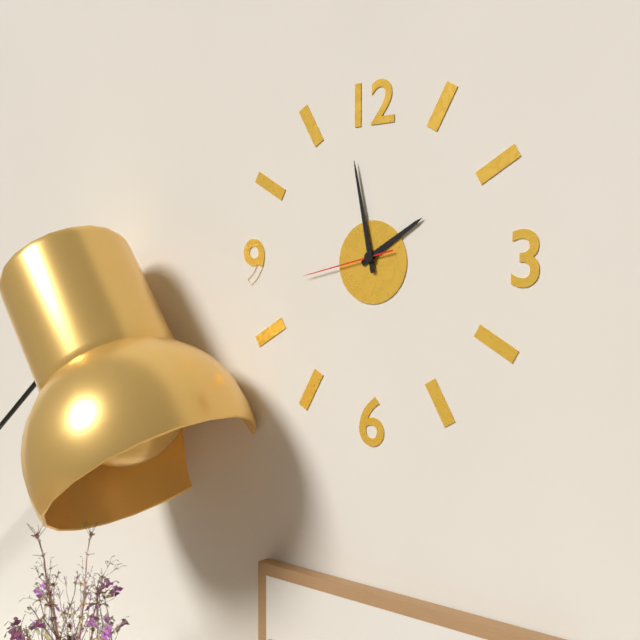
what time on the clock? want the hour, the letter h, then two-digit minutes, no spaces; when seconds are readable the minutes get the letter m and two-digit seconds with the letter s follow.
1h58m43s
